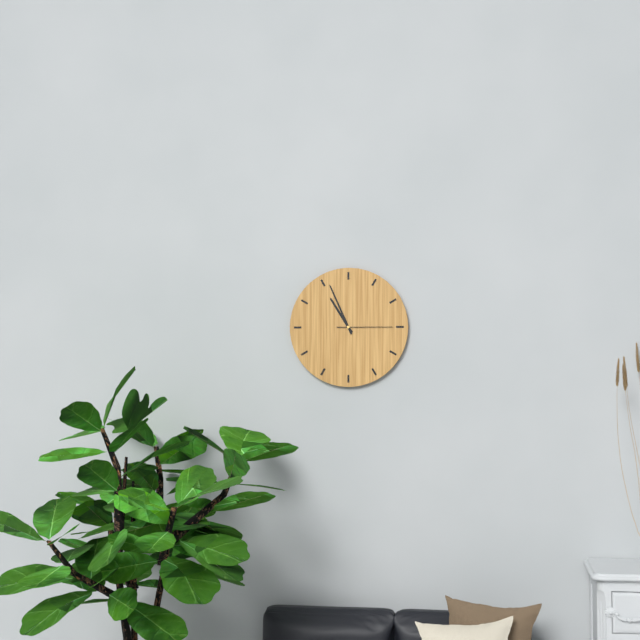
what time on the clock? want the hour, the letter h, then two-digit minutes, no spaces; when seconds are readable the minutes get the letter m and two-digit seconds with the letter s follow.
10h56m15s
